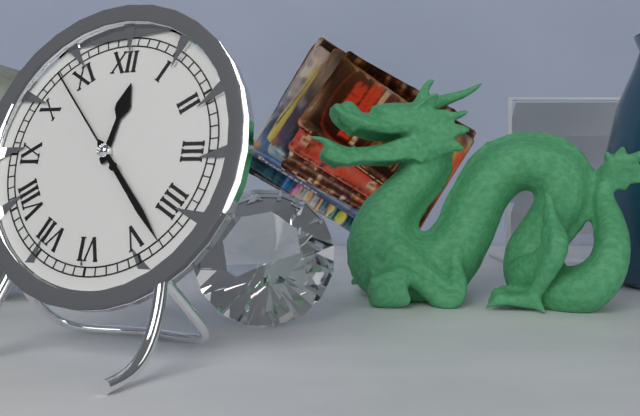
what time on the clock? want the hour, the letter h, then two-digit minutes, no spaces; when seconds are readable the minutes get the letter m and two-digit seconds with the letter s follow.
12h23m53s
